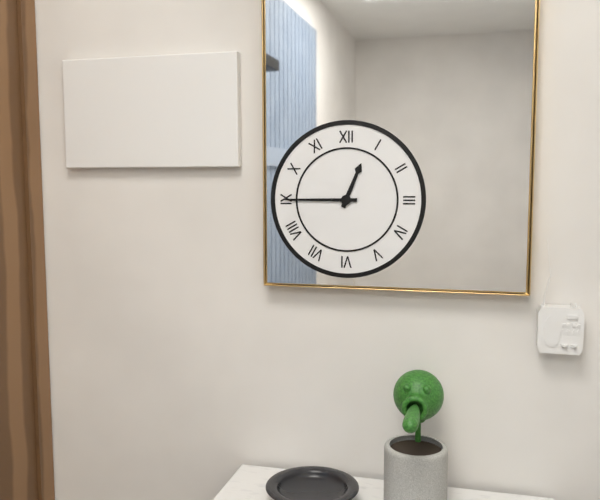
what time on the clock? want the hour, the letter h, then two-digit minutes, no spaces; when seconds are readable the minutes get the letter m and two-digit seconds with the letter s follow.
12h45
